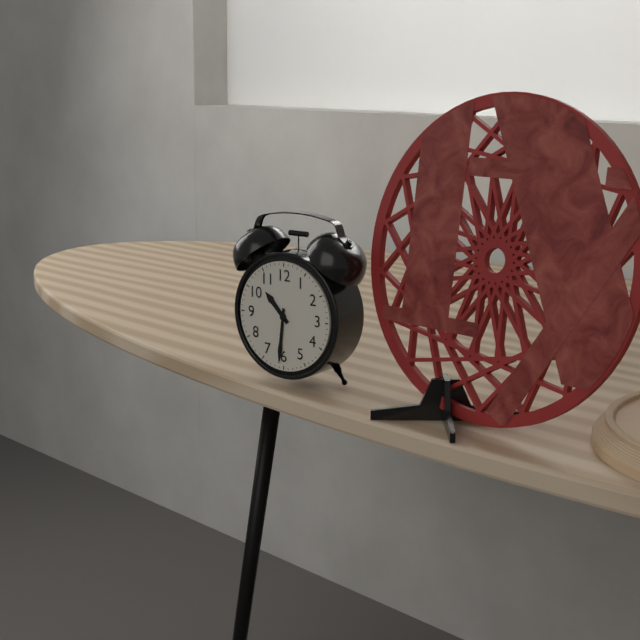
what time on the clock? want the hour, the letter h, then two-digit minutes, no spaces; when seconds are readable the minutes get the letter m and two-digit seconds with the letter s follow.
10h31
